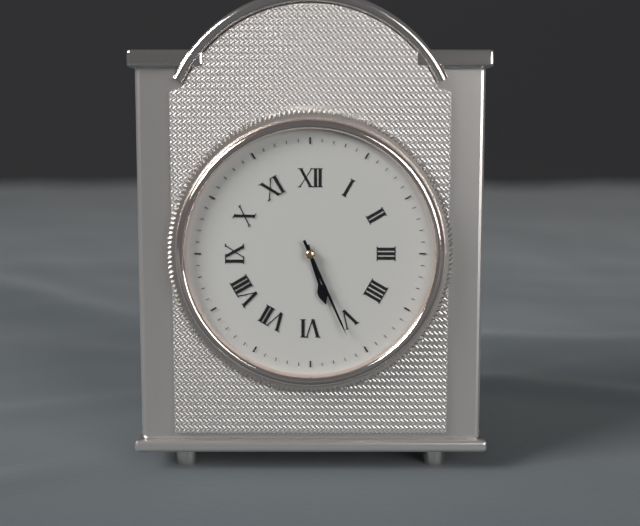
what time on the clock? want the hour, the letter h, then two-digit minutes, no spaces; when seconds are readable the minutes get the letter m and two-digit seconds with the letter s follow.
5h26
